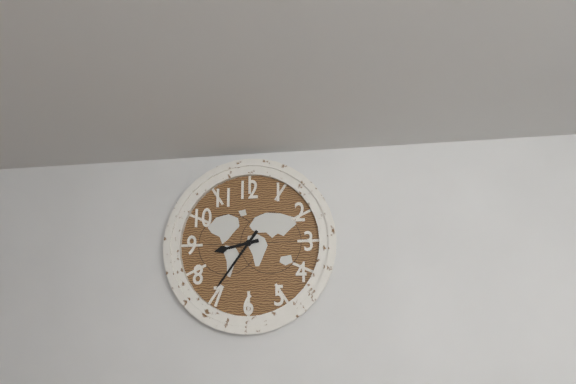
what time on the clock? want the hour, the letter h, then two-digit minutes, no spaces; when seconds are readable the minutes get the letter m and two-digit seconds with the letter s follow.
8h36
